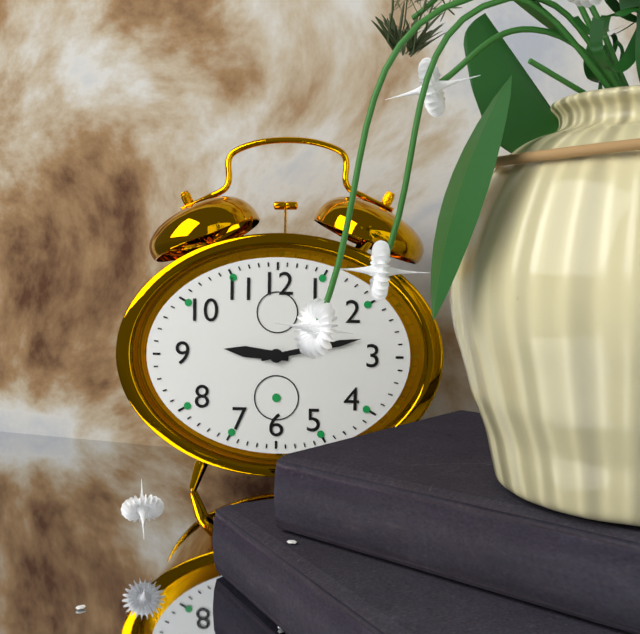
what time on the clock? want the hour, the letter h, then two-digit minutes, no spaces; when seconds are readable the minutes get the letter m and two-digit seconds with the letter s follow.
9h13
